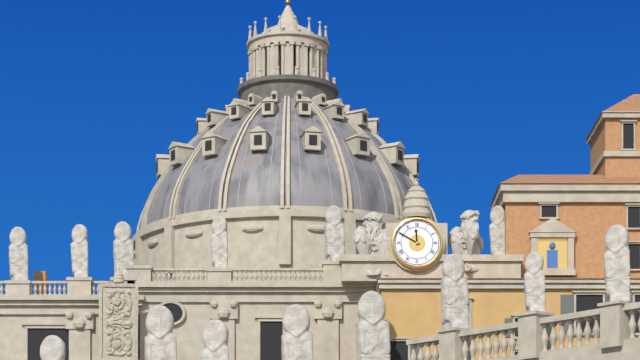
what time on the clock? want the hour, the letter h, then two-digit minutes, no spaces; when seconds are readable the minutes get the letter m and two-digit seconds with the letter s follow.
11h50
